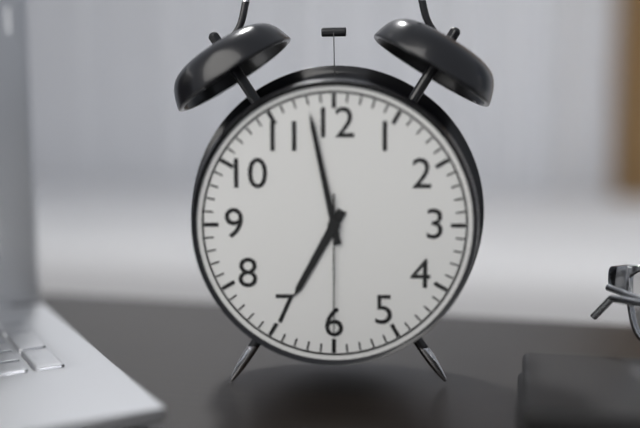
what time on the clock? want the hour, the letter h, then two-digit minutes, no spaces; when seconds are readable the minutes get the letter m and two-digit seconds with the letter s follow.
6h58m30s
